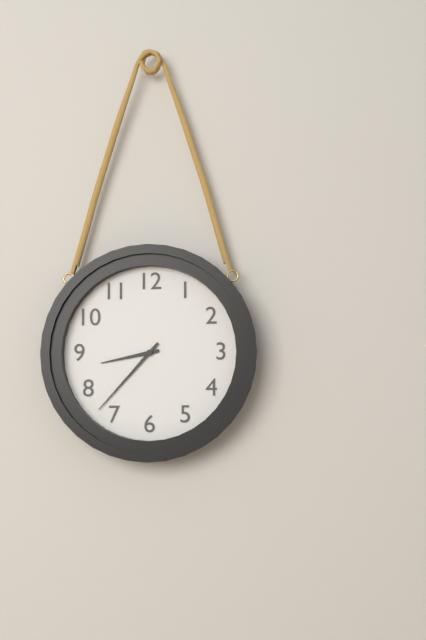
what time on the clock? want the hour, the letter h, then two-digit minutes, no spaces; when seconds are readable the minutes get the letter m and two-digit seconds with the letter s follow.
8h37
